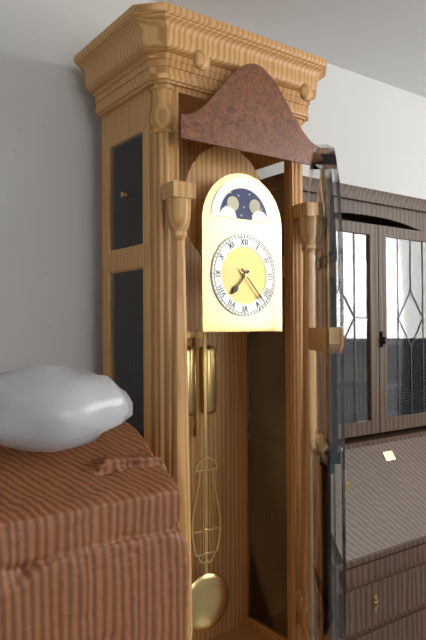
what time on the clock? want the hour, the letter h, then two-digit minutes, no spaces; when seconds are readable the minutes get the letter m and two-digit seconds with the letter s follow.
7h23
